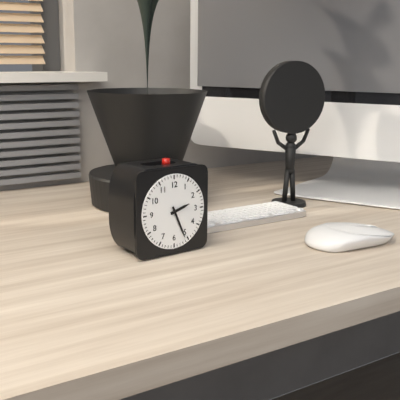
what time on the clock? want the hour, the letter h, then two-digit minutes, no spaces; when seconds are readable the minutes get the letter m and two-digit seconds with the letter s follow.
2h26
